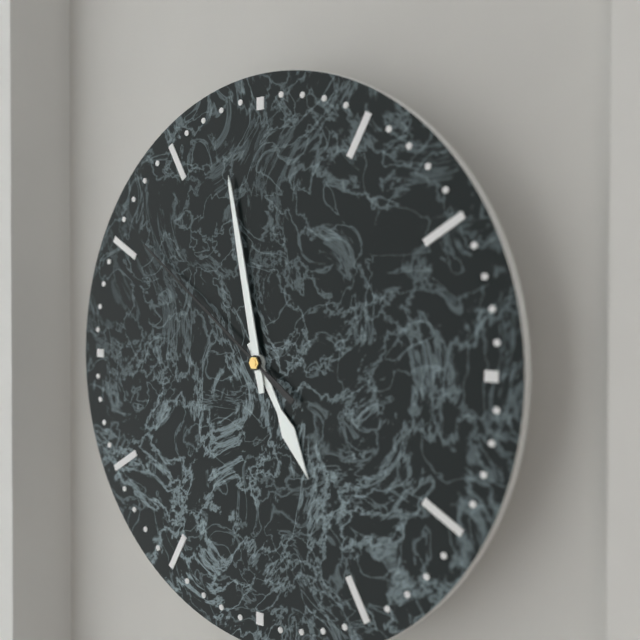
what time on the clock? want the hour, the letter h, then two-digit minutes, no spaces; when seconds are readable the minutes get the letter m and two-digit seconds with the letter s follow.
4h58m51s
